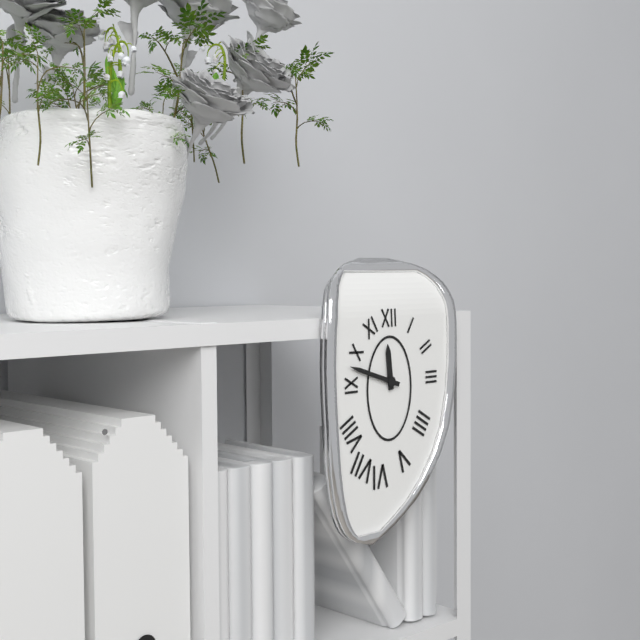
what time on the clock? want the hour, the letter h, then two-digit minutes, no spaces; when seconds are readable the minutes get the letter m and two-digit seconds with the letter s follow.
11h48
